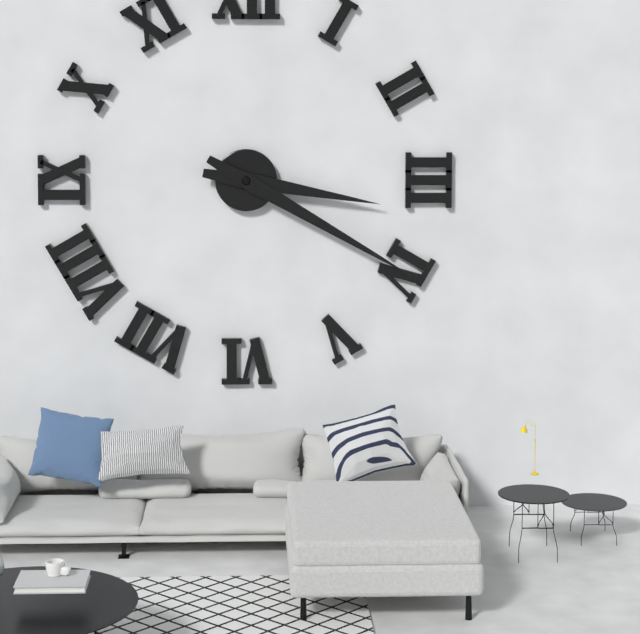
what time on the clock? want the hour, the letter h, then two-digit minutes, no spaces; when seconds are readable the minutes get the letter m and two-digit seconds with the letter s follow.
3h20
